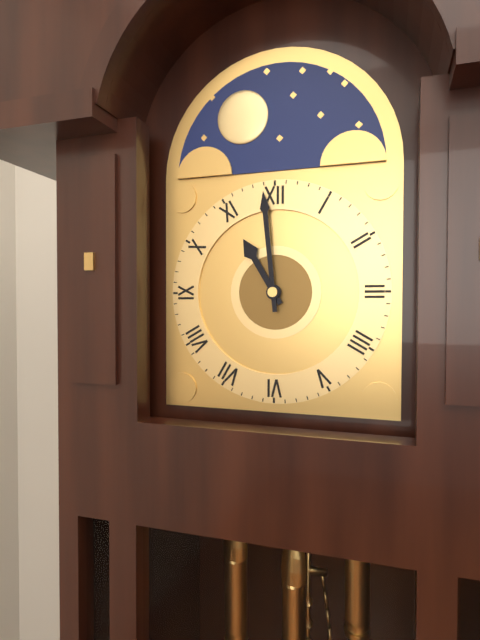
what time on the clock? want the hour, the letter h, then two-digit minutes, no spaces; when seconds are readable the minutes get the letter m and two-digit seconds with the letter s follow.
10h59
